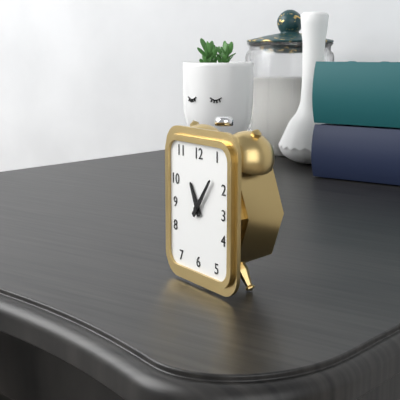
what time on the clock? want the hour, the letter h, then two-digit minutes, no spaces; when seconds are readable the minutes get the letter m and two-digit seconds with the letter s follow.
11h06
